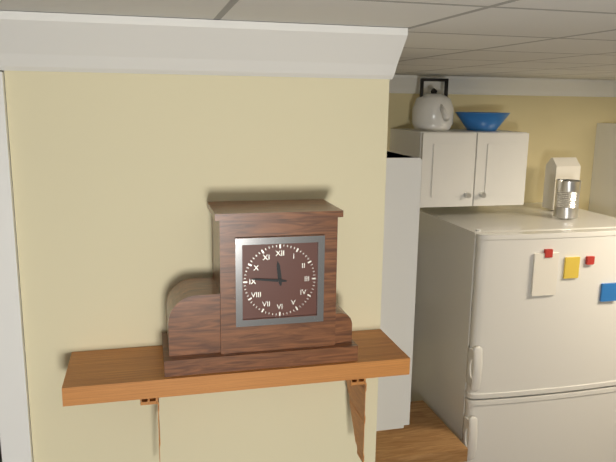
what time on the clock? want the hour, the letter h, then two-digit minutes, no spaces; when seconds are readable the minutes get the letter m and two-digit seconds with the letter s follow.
11h46
